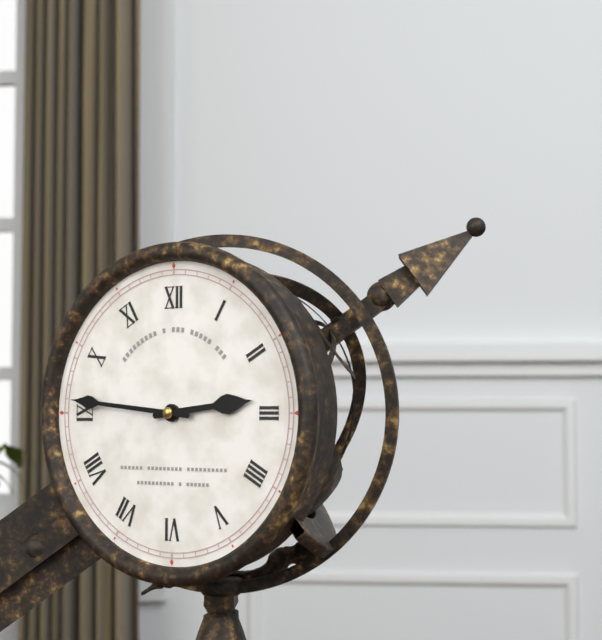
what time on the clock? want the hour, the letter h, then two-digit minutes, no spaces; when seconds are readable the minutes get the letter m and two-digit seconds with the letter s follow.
2h46
